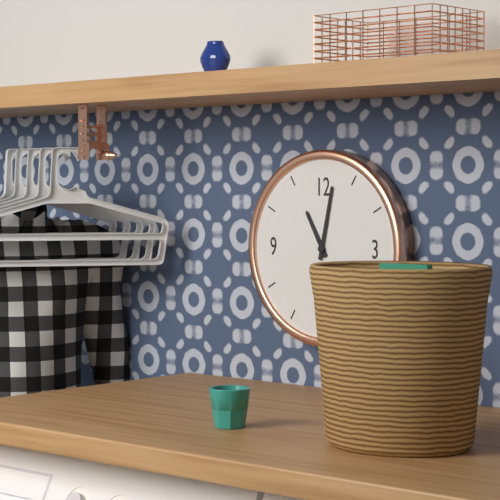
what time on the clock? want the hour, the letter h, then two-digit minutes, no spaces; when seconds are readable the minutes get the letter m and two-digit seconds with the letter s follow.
11h02
